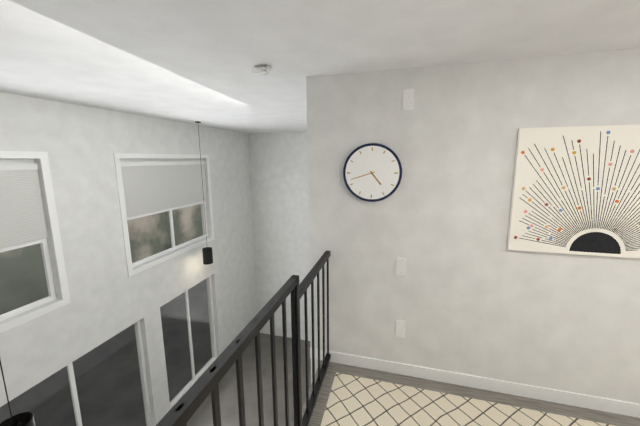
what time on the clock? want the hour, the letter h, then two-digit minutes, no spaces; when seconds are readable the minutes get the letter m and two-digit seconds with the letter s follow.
4h42
